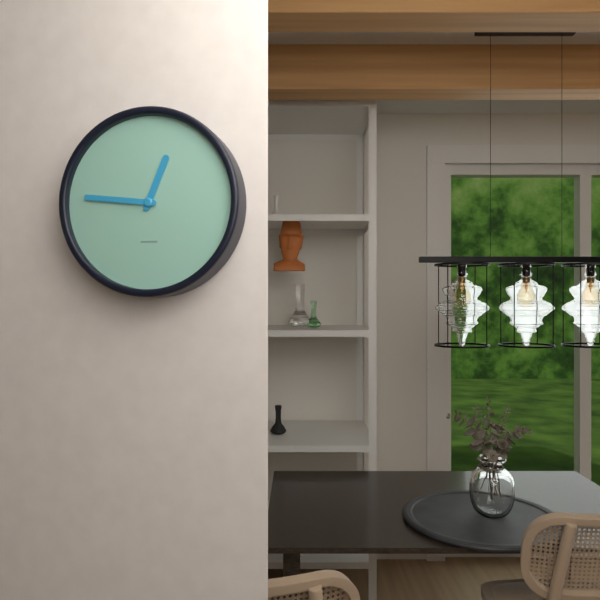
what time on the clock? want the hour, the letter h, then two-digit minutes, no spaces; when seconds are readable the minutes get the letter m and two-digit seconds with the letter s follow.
12h46
